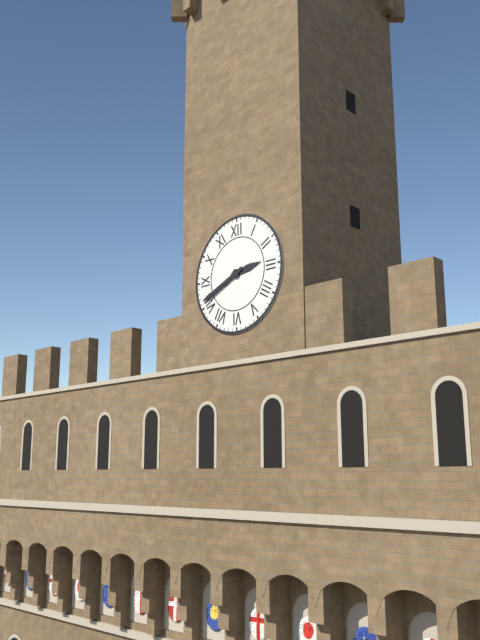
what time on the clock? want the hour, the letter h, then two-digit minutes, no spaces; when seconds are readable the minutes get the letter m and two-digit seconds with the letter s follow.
2h41
